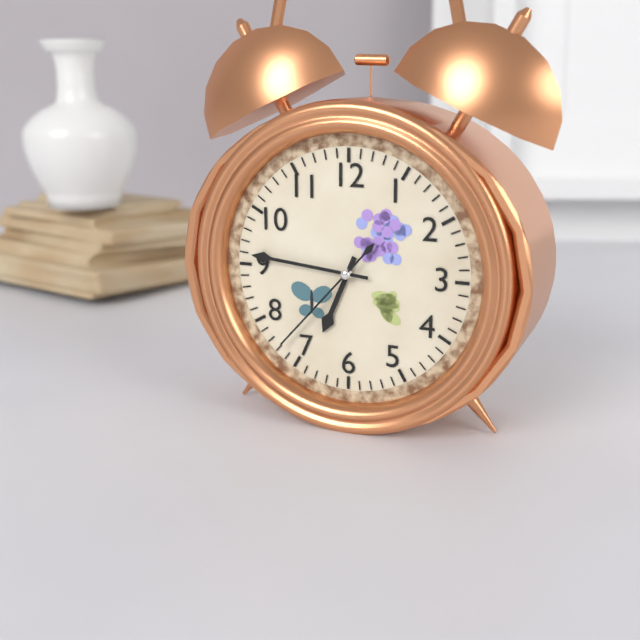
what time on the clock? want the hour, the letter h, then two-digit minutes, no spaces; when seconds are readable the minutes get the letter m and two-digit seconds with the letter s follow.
6h46m37s
